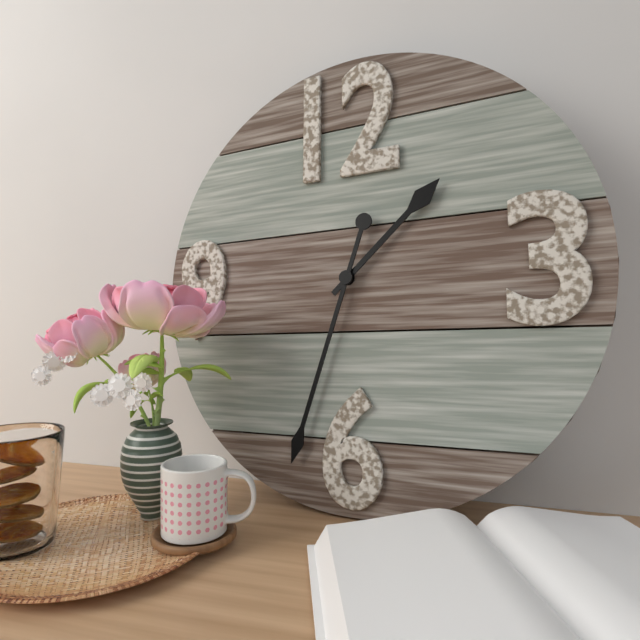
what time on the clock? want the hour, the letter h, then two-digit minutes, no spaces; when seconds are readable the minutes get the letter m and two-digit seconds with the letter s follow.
1h33
